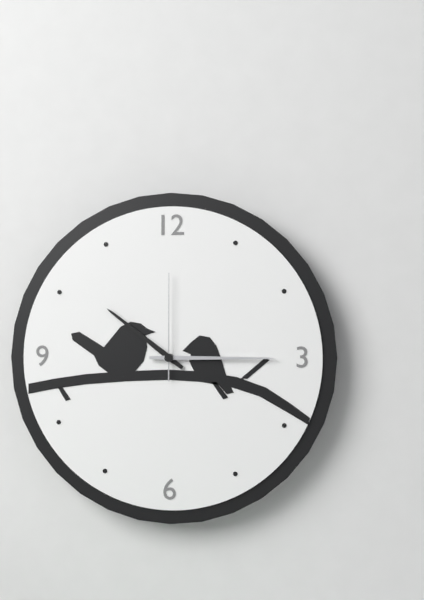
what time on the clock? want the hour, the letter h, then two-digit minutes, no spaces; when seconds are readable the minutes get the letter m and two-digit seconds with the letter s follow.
10h15m00s
